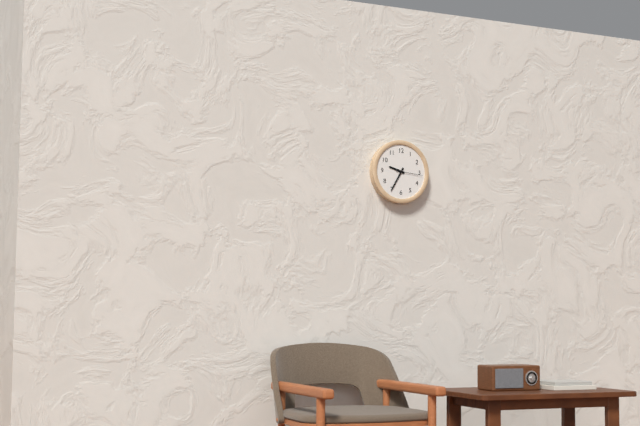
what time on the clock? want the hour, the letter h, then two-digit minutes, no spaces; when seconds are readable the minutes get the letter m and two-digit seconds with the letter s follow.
9h35
